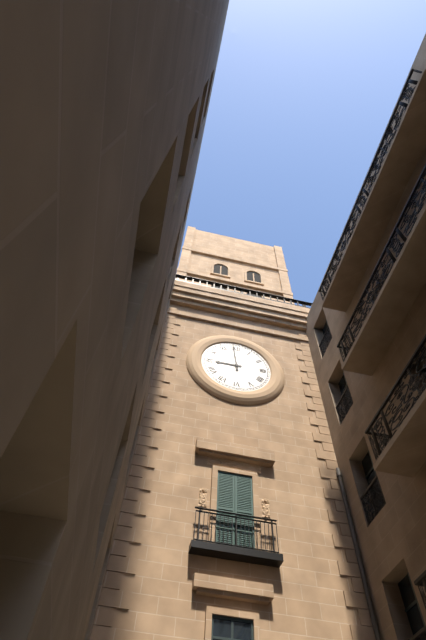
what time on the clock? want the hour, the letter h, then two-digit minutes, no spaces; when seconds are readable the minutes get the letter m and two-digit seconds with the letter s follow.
8h59
